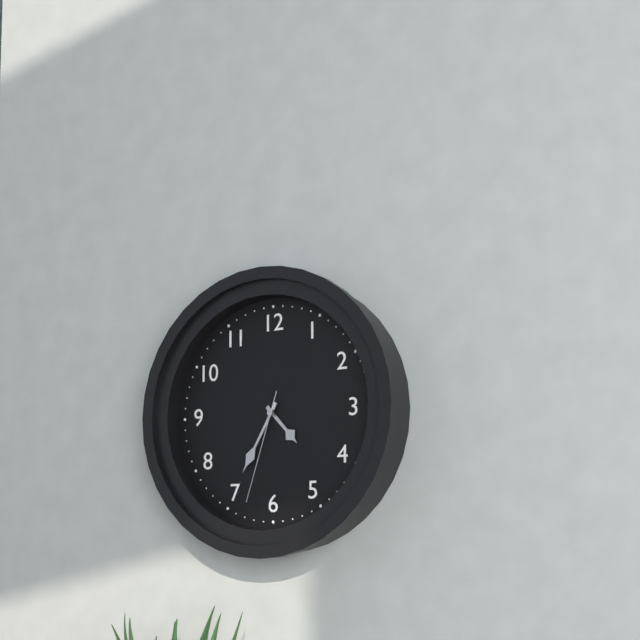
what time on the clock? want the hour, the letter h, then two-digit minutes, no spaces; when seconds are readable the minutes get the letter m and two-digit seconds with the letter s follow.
4h35m33s
